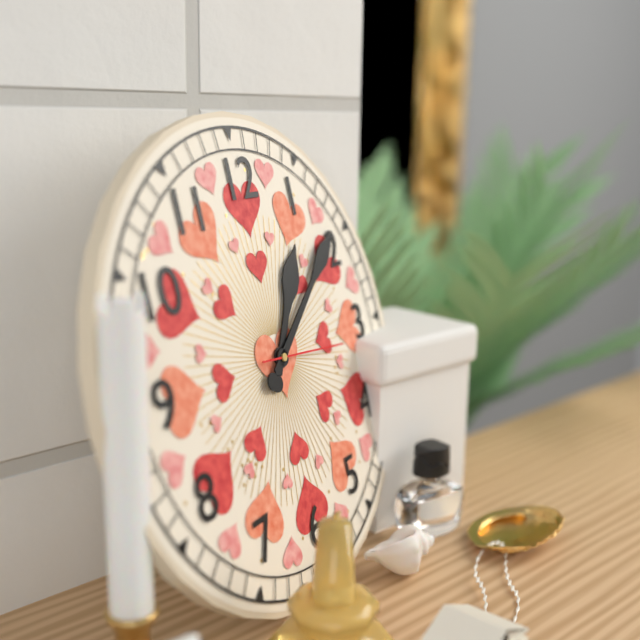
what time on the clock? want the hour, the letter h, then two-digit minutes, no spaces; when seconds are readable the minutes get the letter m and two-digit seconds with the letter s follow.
1h09m16s
